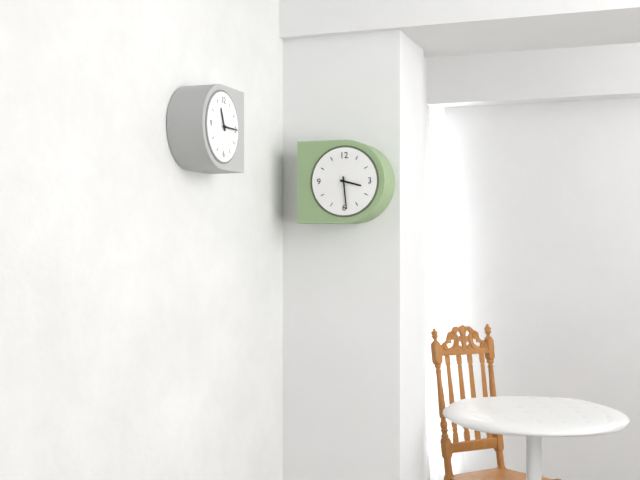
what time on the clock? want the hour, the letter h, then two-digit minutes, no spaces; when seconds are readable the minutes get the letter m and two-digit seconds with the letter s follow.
3h29
